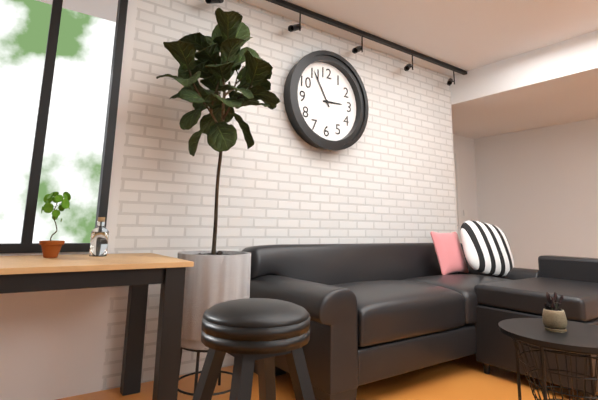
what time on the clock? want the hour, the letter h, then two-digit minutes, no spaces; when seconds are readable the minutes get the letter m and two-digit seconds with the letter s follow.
2h55
